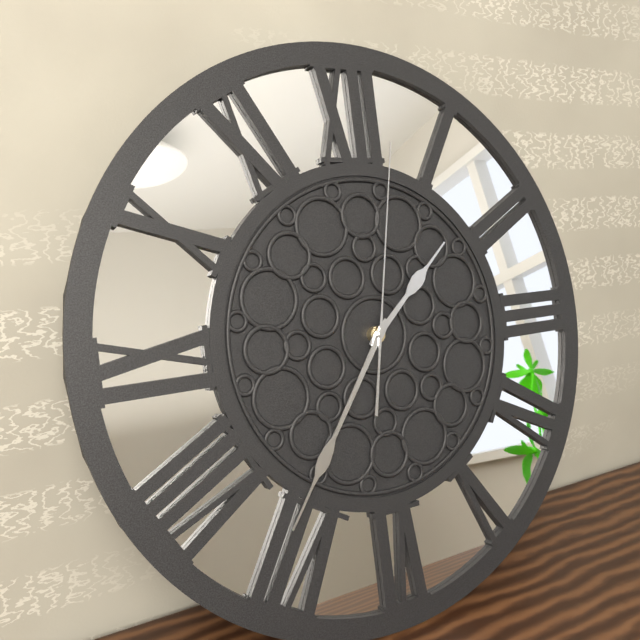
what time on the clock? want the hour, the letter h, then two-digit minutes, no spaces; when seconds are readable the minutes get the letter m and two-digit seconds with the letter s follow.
1h36m02s
